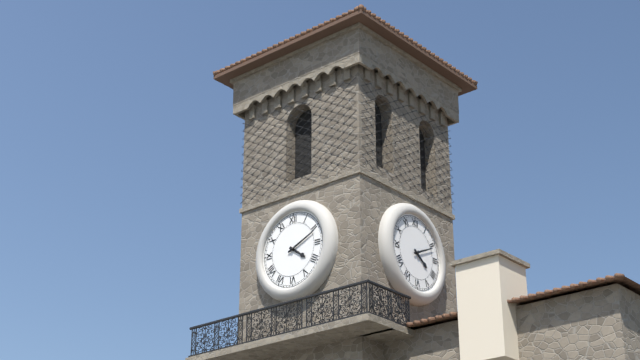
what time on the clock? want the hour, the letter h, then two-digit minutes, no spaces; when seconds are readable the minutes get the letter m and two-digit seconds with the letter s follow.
4h11
